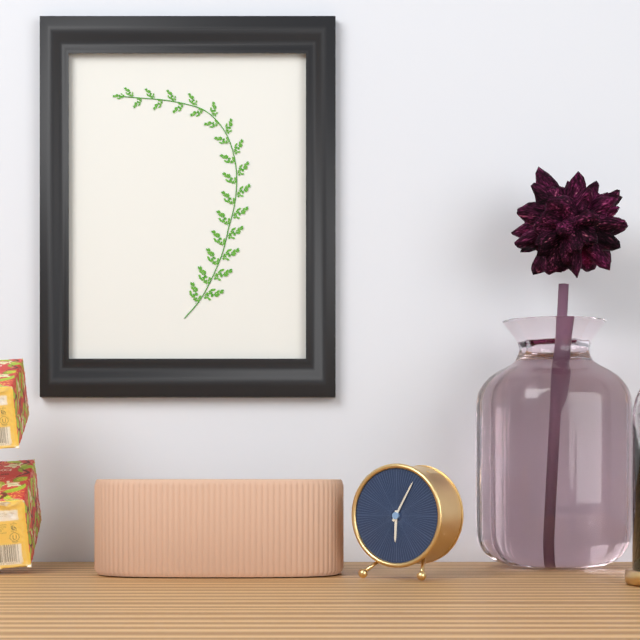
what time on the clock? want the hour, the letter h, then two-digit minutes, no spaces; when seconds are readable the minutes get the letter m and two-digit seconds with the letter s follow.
6h05
